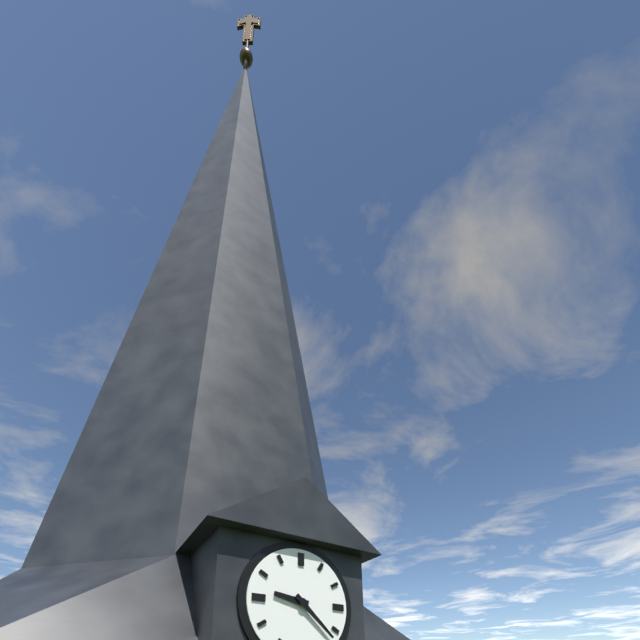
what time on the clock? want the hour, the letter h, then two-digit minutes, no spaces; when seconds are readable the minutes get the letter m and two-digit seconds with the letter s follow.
9h22
